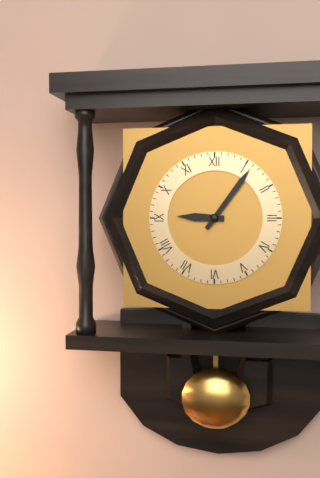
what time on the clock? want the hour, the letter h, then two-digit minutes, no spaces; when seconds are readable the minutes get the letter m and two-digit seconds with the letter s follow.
9h06
